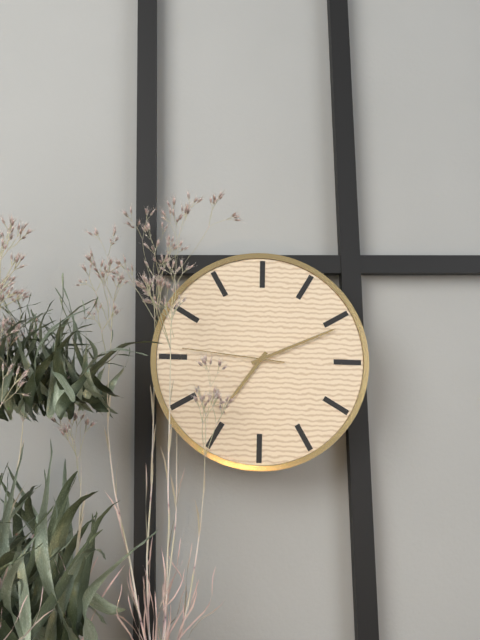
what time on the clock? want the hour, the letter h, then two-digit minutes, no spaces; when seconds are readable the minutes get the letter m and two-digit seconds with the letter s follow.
7h11m46s
